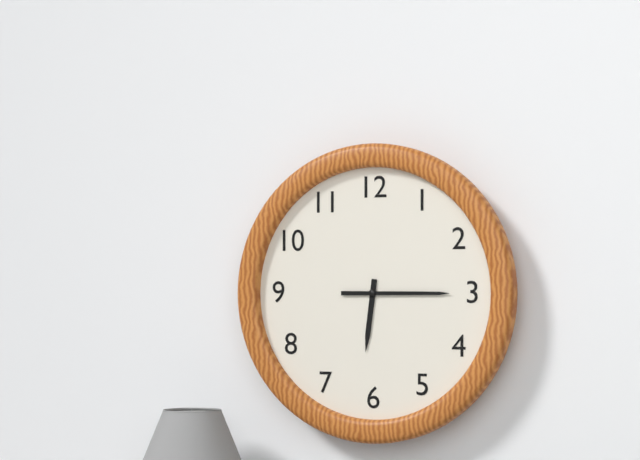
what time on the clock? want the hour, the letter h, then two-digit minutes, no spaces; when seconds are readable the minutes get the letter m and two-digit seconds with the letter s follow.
6h15
